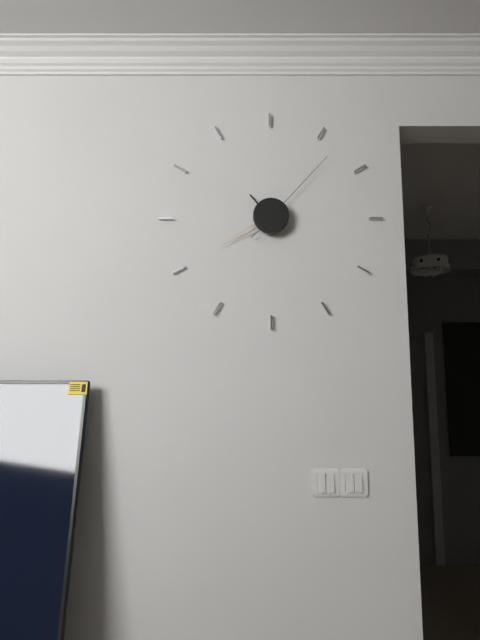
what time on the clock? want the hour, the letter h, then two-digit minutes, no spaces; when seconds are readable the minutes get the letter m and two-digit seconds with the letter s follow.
10h40m07s
